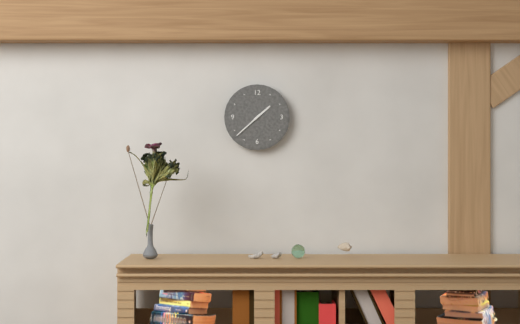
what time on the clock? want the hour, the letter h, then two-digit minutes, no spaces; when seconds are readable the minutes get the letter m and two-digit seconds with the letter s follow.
1h38
